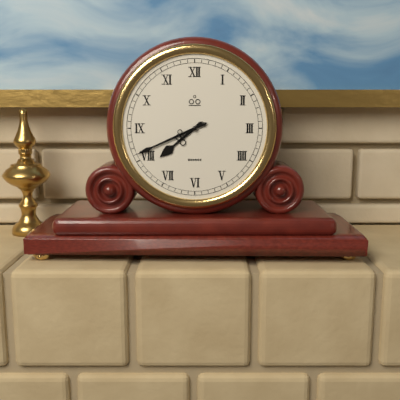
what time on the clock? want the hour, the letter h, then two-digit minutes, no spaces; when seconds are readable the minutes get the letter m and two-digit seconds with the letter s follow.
7h41
